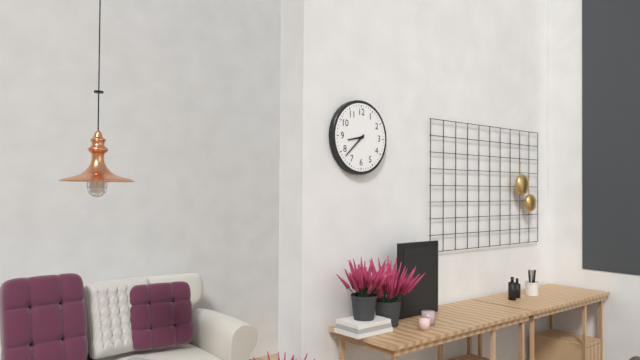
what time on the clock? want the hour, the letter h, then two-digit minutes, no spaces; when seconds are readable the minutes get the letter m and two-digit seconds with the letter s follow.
8h38
